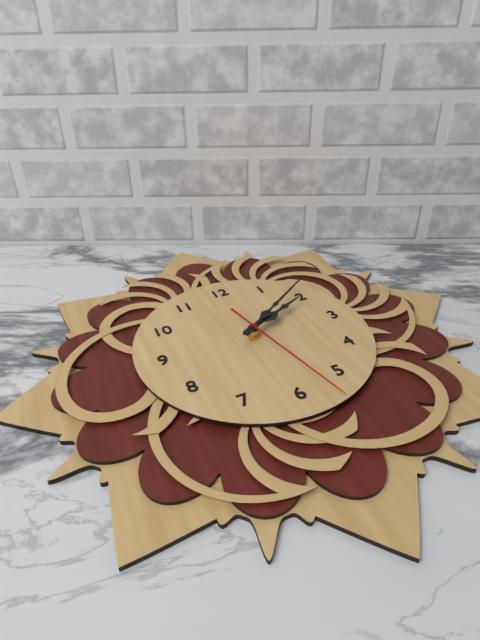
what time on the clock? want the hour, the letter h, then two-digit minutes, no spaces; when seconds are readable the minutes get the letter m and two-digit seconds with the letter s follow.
2h09m28s
